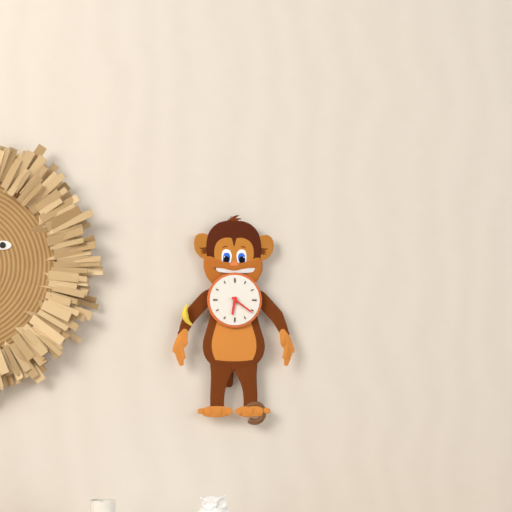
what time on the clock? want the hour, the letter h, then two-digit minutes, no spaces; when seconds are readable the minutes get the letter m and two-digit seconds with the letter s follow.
6h21
